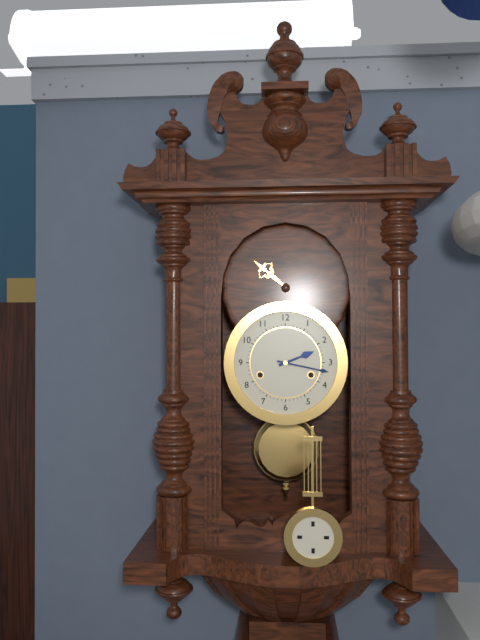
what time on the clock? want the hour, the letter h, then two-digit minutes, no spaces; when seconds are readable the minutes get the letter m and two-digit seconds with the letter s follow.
2h17
